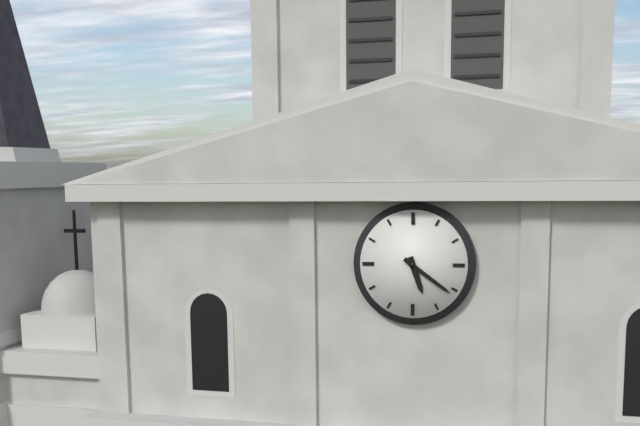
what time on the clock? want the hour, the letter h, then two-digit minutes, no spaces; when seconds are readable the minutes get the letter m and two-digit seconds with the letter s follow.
5h21
